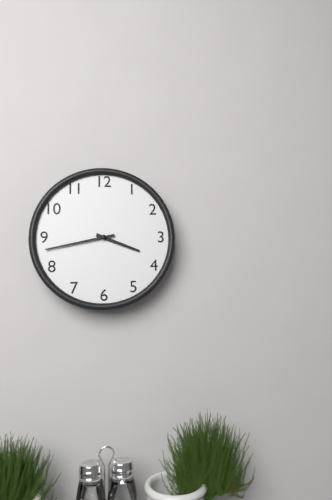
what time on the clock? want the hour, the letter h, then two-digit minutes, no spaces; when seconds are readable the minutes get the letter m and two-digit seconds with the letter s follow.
3h43
